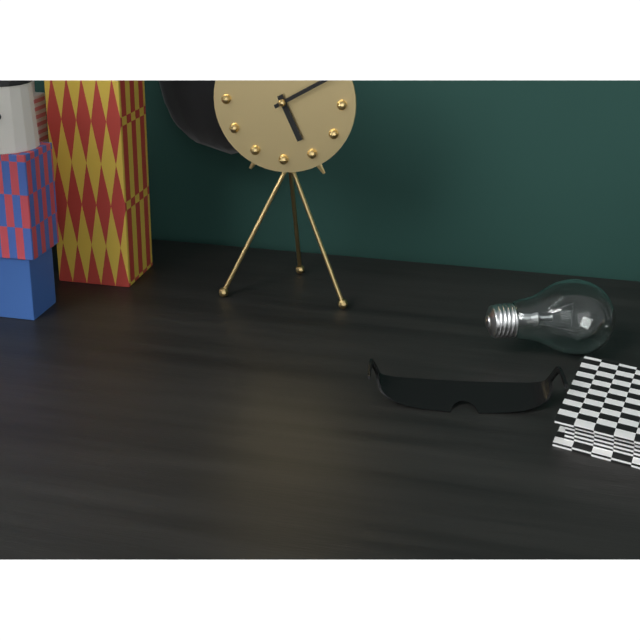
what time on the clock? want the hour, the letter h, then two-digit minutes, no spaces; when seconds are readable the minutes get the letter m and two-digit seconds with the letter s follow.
5h10
